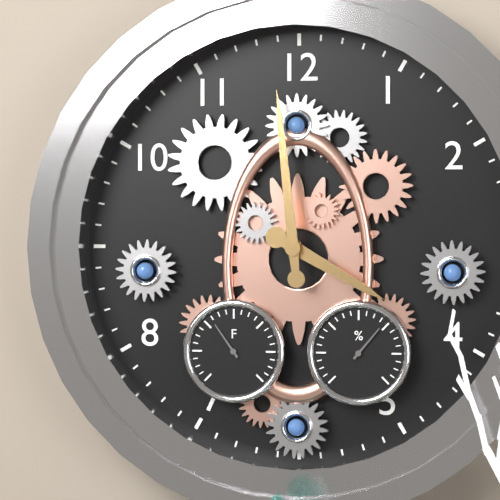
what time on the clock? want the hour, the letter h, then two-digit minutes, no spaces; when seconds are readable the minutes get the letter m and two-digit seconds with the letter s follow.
3h59
